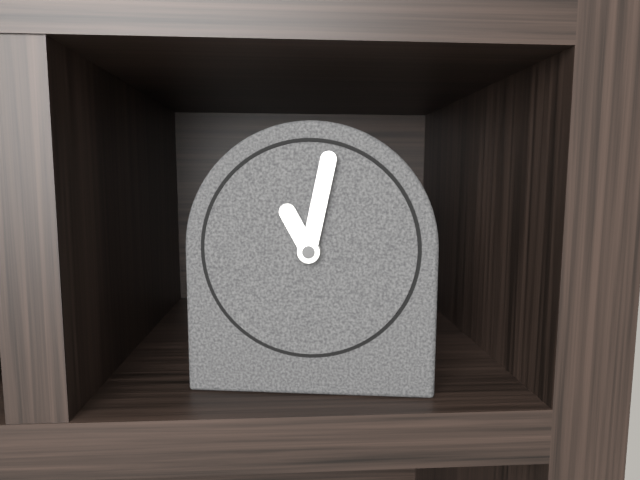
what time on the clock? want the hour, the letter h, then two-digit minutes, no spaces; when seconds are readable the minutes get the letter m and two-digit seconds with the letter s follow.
11h02
